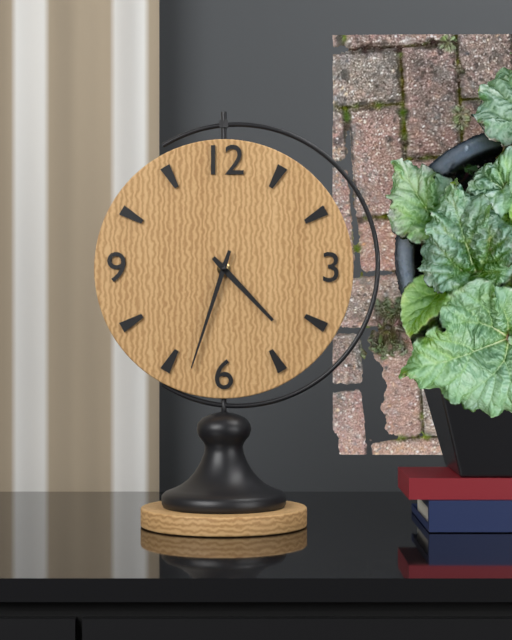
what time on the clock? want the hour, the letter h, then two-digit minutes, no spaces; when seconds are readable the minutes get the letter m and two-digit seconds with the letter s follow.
4h33
